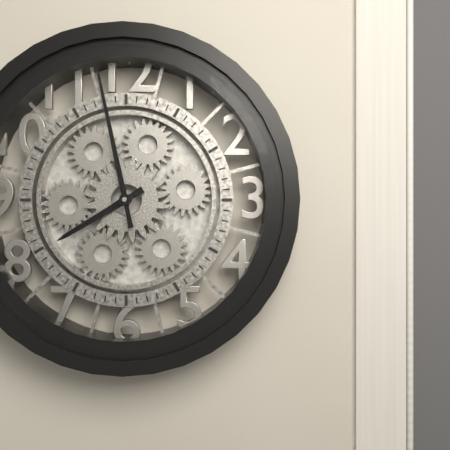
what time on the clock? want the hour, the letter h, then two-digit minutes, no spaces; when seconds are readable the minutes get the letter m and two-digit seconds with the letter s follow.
7h58
